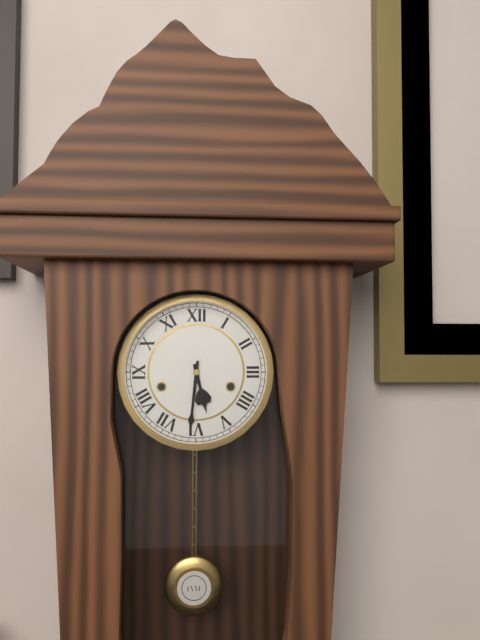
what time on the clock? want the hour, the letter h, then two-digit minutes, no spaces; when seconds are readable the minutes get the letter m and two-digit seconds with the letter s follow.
5h31
